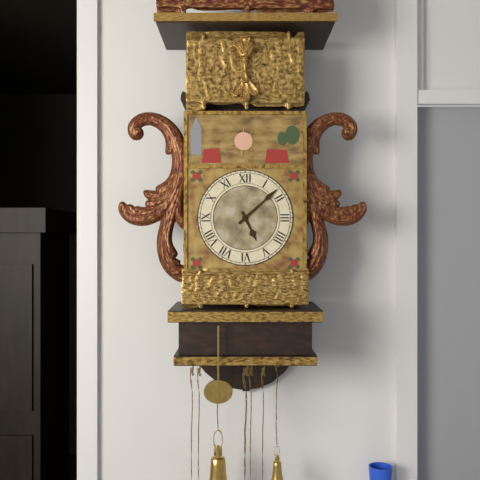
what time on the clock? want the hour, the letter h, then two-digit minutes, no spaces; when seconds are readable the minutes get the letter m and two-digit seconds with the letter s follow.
5h08
